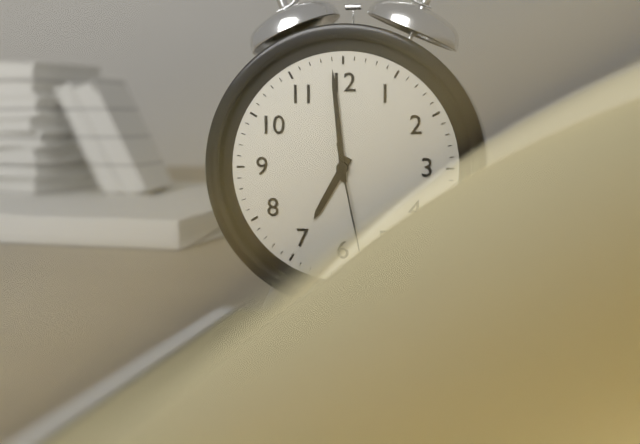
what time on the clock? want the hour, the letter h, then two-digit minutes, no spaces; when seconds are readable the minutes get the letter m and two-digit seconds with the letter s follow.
6h59
